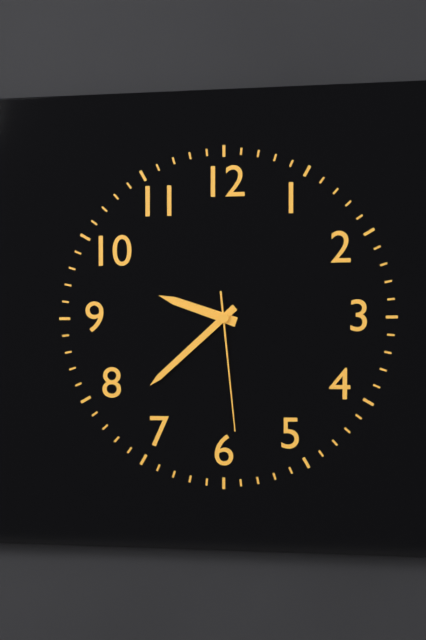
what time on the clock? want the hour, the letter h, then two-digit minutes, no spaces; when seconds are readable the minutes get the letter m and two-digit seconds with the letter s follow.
9h38m29s
